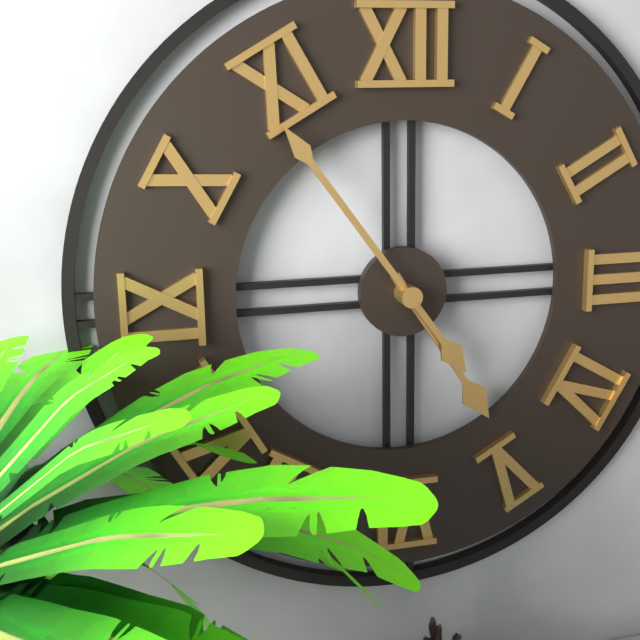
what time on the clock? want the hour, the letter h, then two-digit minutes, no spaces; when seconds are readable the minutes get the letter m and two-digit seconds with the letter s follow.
4h54
